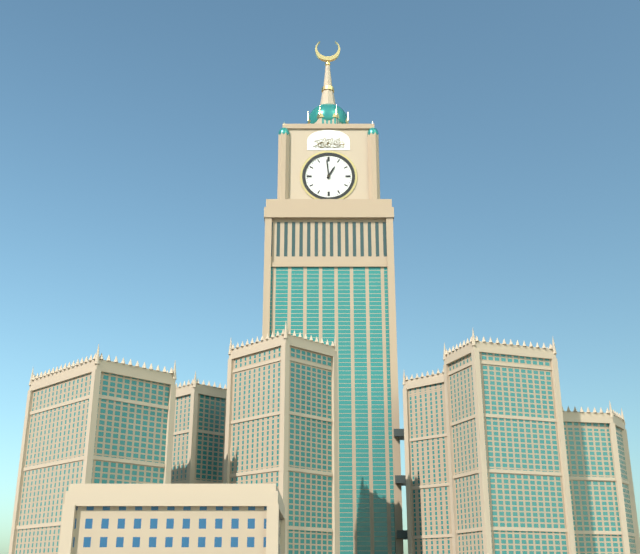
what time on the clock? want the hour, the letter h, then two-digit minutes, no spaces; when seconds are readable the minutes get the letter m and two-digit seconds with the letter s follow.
12h59
